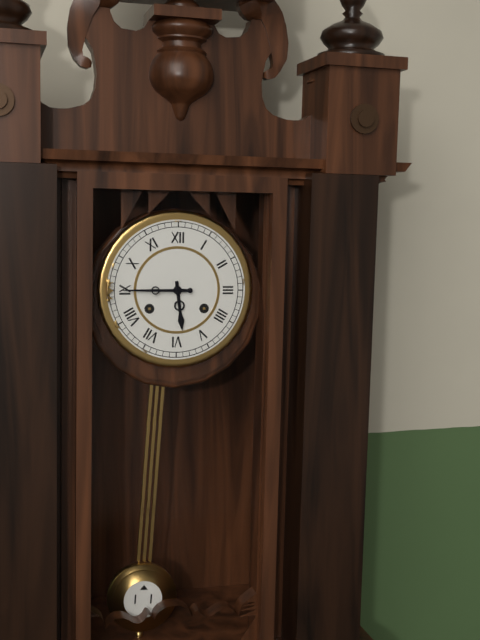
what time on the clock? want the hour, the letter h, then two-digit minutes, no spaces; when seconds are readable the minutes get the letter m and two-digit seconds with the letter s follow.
5h45
